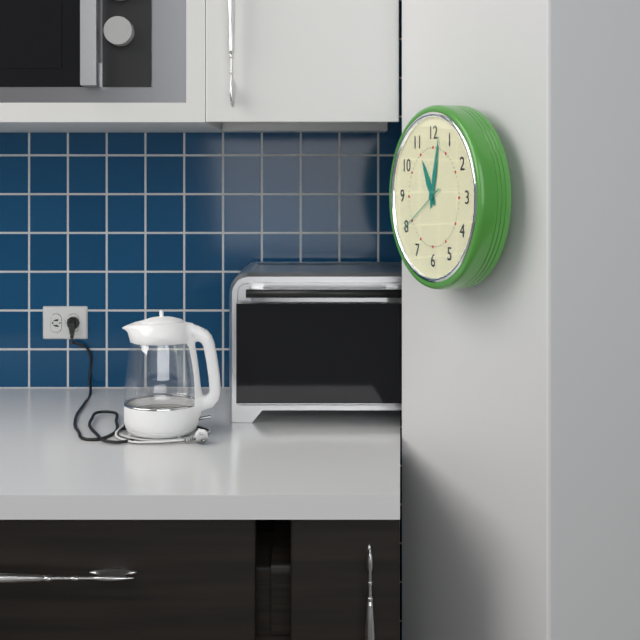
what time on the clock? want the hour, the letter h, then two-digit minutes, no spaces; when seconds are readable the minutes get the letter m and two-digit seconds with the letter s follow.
11h02m40s
